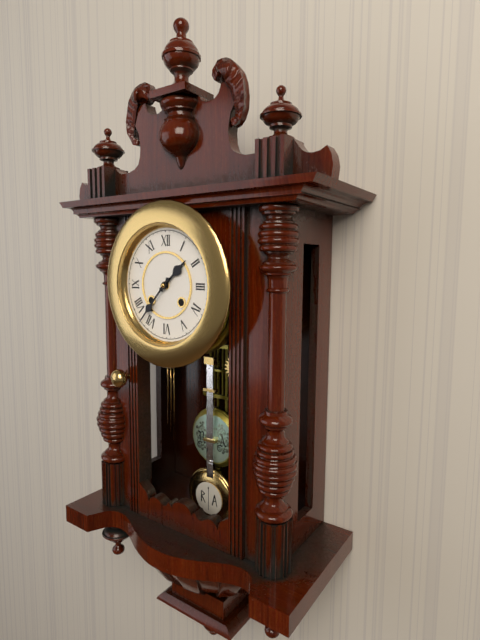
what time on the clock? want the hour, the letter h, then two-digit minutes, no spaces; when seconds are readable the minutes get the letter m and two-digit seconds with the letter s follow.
1h37
